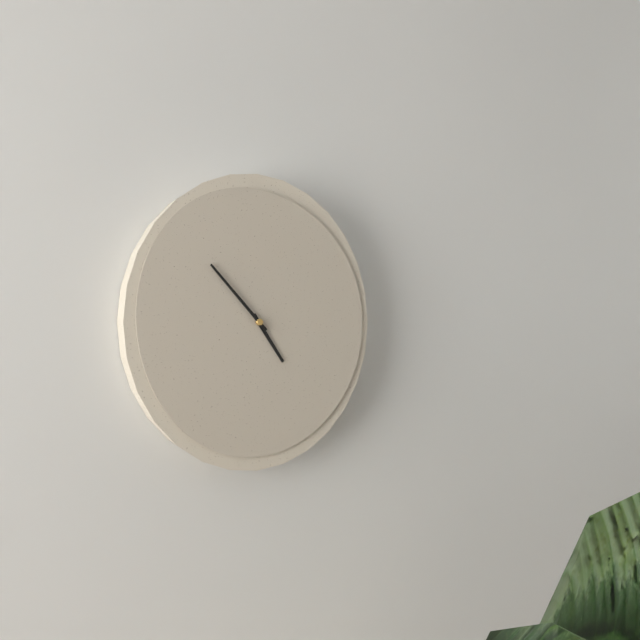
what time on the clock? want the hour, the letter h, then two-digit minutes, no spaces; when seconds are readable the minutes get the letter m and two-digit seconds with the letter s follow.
4h53
